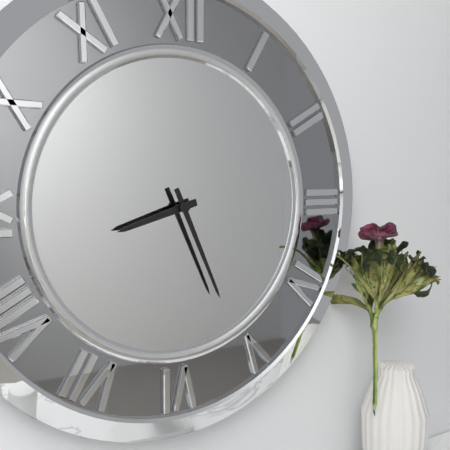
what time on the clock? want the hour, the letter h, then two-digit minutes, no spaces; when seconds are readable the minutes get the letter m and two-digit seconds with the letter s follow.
8h26
